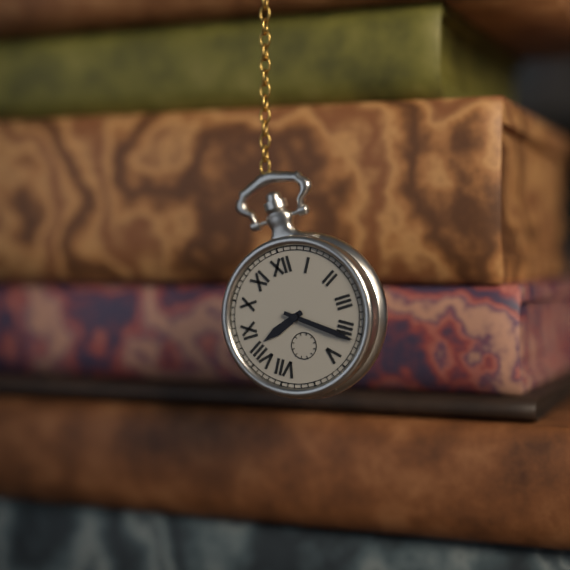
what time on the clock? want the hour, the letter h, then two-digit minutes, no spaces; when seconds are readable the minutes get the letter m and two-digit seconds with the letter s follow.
8h21
